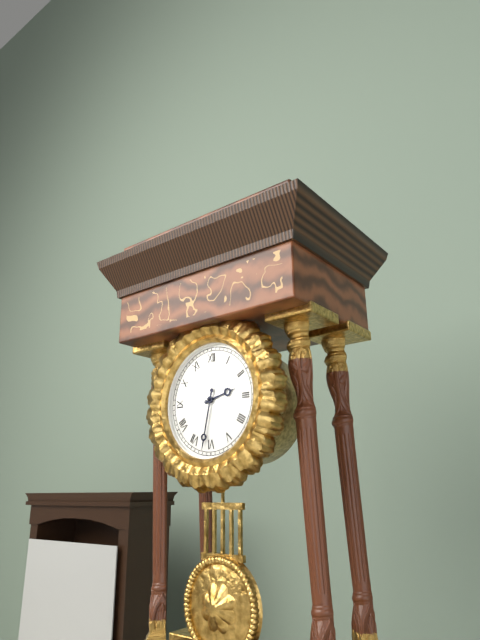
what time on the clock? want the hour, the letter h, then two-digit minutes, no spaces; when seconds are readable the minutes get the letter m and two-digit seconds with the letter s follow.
2h32
